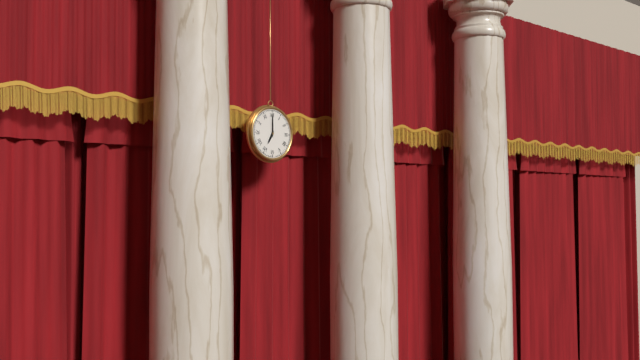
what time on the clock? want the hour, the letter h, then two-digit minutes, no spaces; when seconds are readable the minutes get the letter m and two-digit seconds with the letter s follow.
7h00
